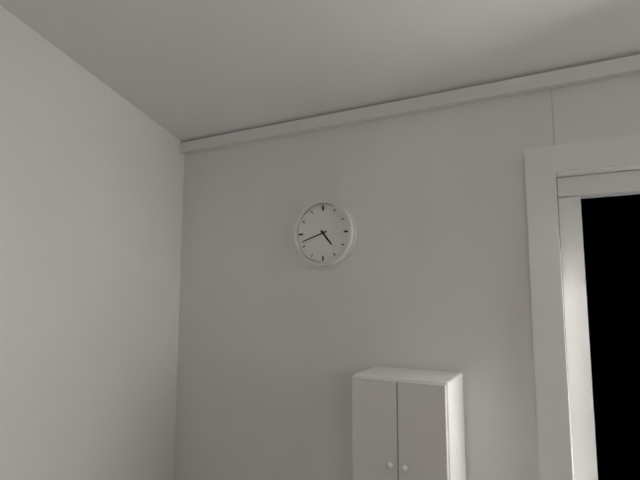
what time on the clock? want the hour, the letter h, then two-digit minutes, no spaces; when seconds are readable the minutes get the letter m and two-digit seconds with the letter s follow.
4h42
